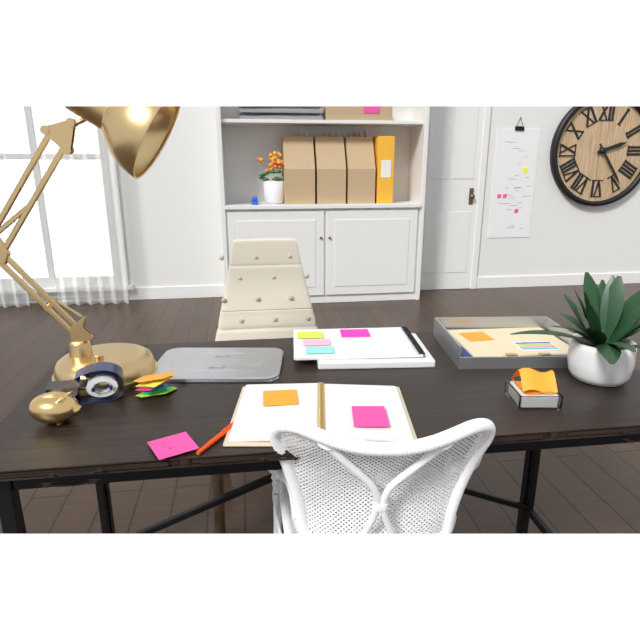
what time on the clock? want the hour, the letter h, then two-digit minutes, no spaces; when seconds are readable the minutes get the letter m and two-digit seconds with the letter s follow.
2h24
